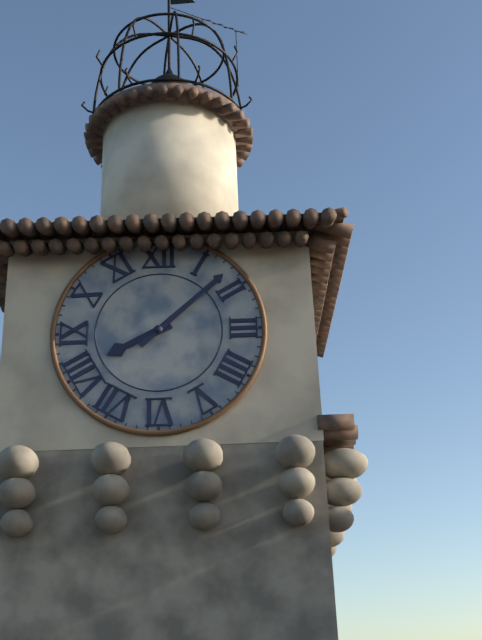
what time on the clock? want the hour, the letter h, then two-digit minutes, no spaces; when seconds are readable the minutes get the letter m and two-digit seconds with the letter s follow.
8h08
